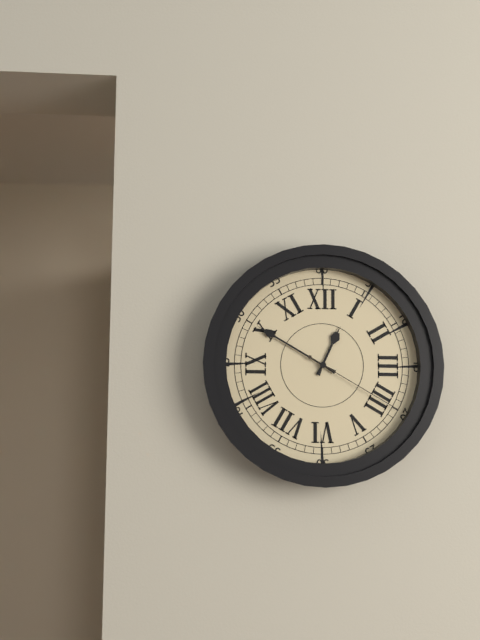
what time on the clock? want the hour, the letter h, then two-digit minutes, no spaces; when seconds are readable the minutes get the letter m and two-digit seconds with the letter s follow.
12h50m20s
